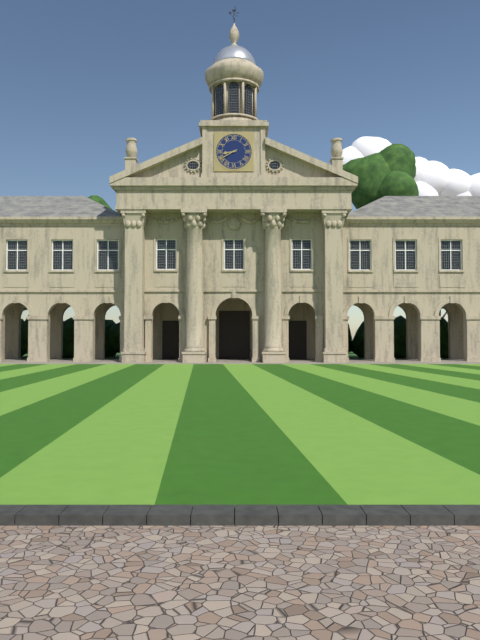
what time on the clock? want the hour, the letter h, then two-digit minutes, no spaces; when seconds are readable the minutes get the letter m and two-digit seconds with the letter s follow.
8h40
